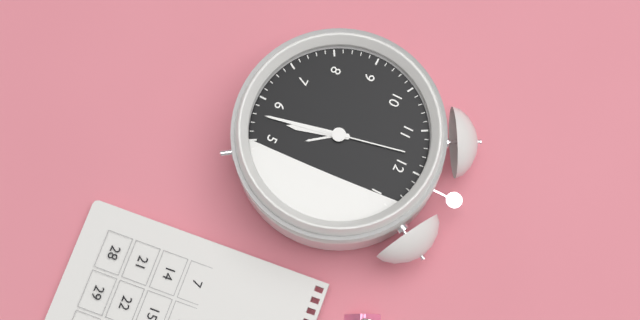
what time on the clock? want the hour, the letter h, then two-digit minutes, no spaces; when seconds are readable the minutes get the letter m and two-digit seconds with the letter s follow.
5h28m58s
